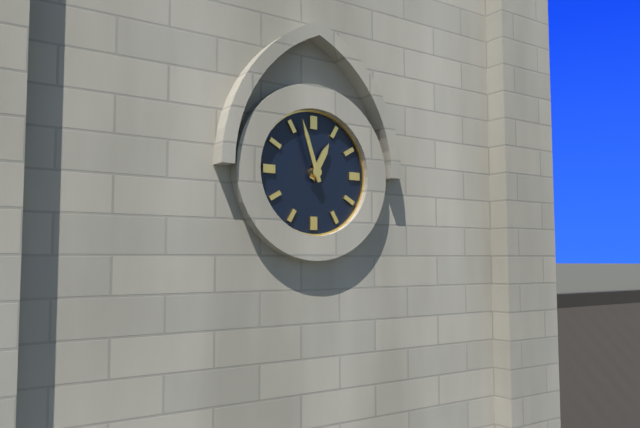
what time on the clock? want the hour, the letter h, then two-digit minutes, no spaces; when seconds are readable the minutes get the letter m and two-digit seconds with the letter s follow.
12h57
